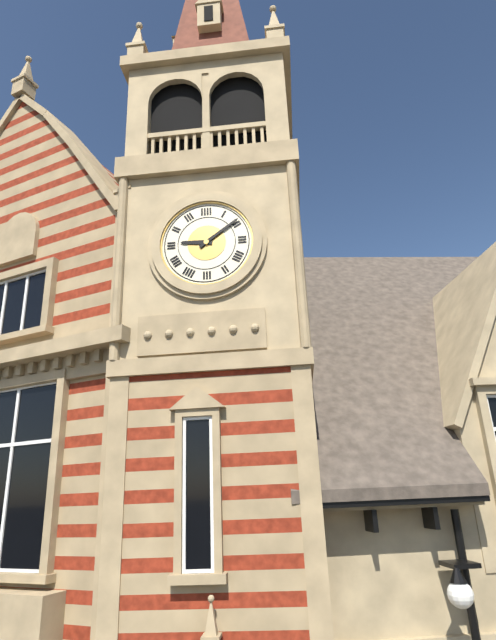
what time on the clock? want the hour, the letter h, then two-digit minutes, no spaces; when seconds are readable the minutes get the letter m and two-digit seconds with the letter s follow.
9h09
